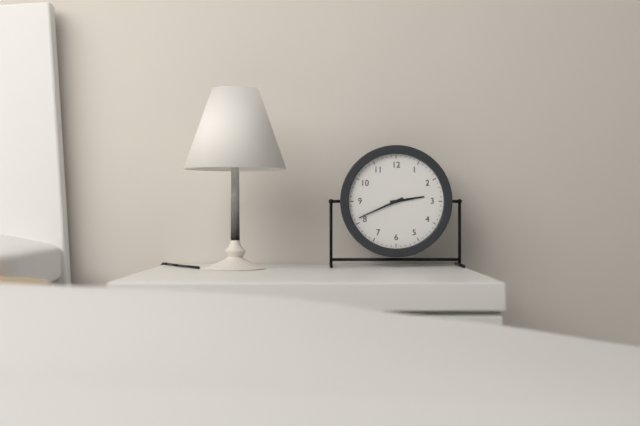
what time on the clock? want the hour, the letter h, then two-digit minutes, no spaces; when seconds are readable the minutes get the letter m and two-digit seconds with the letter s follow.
2h41
